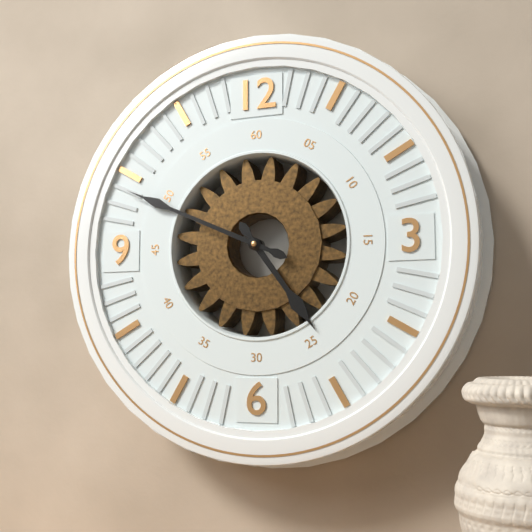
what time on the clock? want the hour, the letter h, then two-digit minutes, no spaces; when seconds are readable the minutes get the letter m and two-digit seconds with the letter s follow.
4h49
